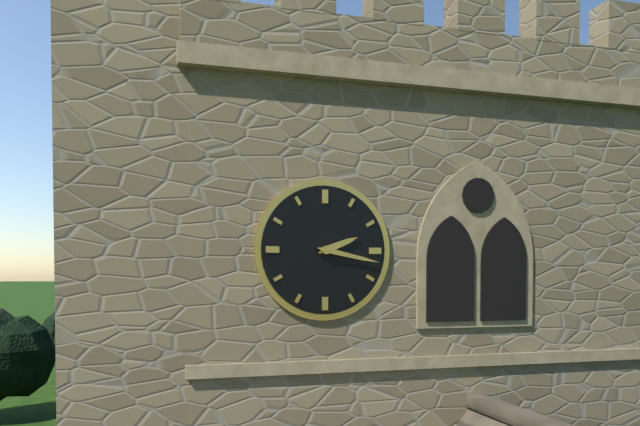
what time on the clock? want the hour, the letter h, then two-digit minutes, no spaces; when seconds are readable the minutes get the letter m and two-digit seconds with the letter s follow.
2h17
